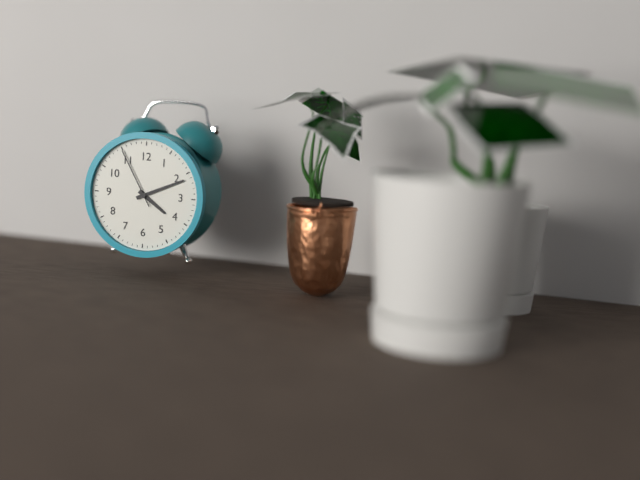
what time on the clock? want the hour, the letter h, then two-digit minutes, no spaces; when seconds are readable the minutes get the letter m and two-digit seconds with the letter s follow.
4h11m55s
